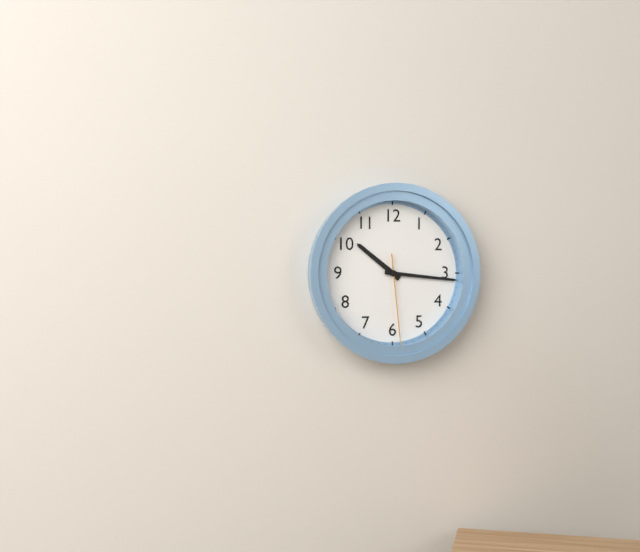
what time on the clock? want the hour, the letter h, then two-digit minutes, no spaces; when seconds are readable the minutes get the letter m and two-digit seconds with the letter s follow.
10h16m29s
